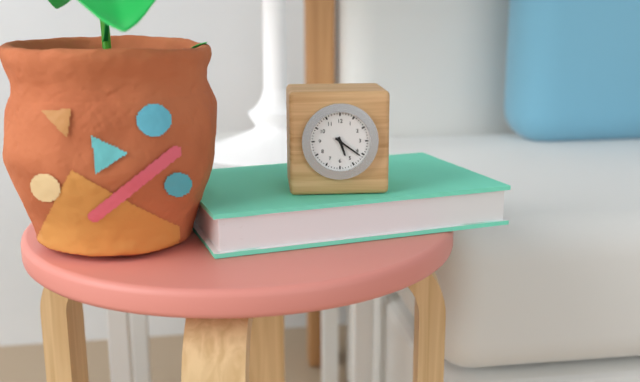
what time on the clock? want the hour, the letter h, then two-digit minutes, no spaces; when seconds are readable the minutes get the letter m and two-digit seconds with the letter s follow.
5h21
